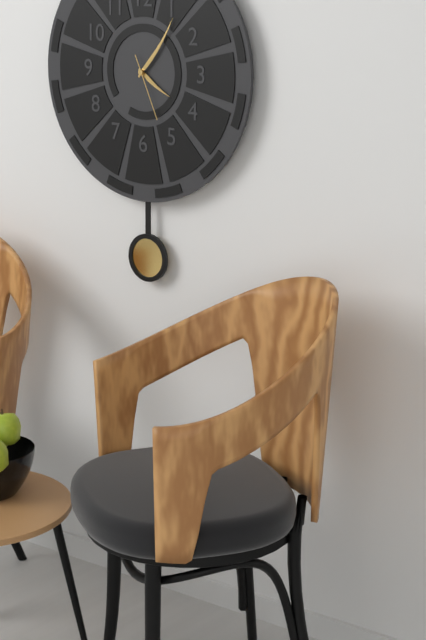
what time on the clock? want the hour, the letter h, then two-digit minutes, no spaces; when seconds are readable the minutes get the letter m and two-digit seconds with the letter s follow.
4h06m26s
